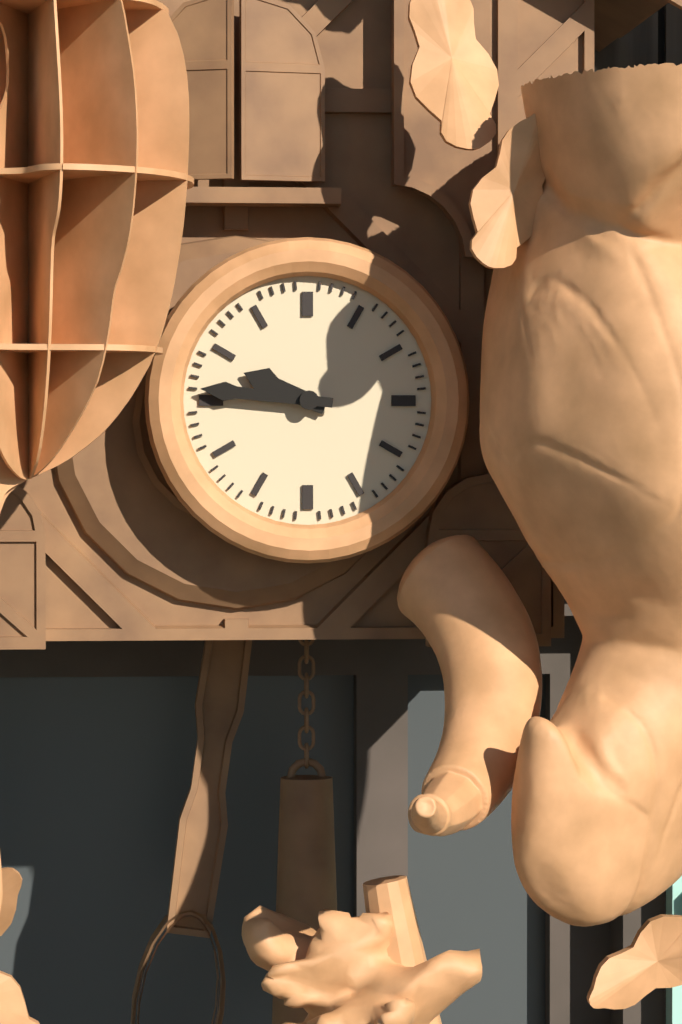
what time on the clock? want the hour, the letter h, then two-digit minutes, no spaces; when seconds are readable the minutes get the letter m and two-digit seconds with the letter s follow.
9h46
